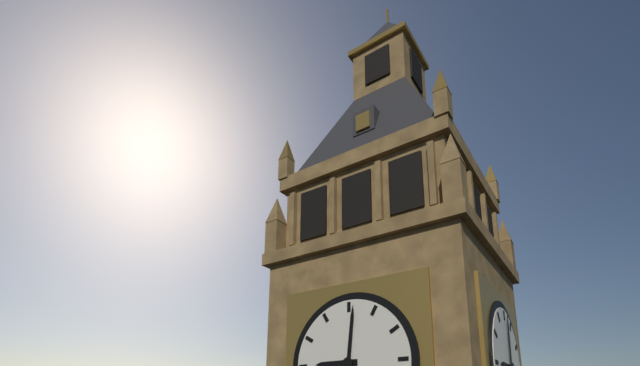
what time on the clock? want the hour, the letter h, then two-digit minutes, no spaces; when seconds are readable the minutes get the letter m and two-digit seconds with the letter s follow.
9h01
